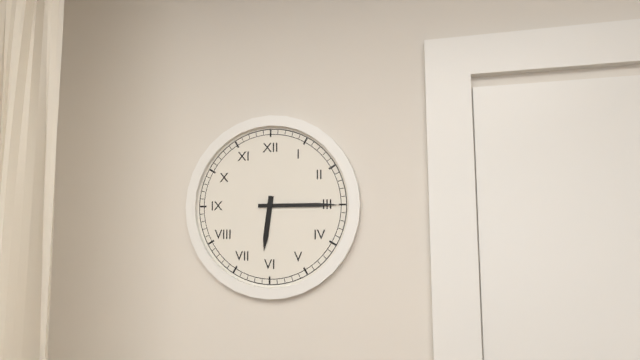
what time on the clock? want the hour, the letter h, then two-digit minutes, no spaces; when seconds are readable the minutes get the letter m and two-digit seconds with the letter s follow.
6h15
